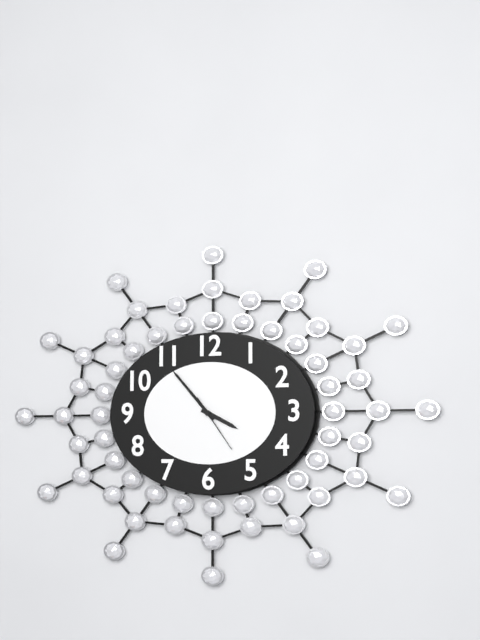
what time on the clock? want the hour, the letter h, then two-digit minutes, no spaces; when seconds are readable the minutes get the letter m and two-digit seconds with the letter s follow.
3h53
